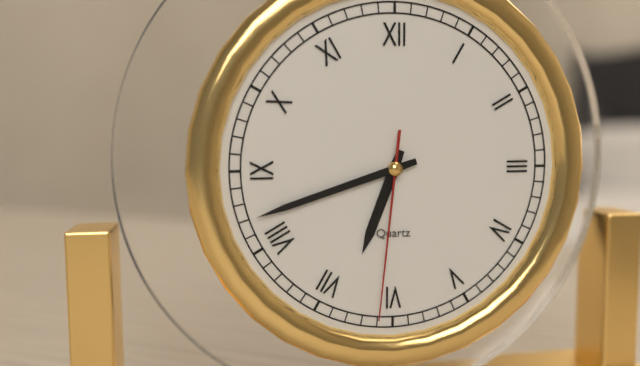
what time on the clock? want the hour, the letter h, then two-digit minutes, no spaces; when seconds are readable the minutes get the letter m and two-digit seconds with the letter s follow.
6h42m31s
